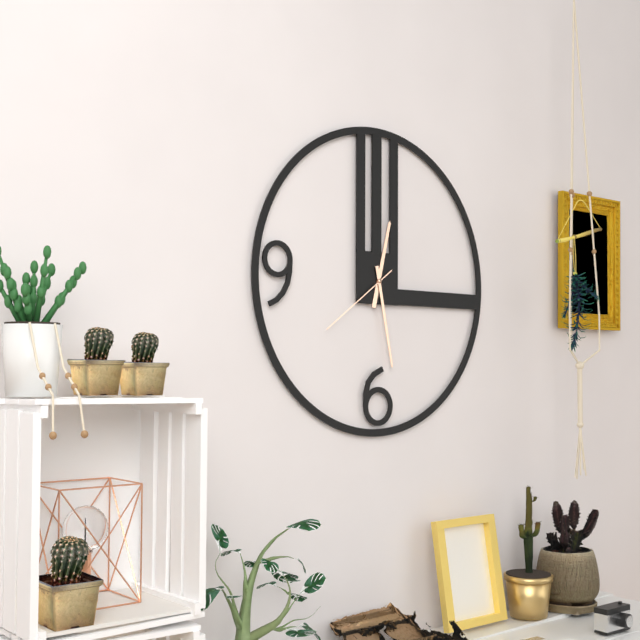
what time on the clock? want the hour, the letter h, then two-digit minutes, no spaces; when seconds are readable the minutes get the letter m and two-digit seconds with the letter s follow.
12h28m39s
